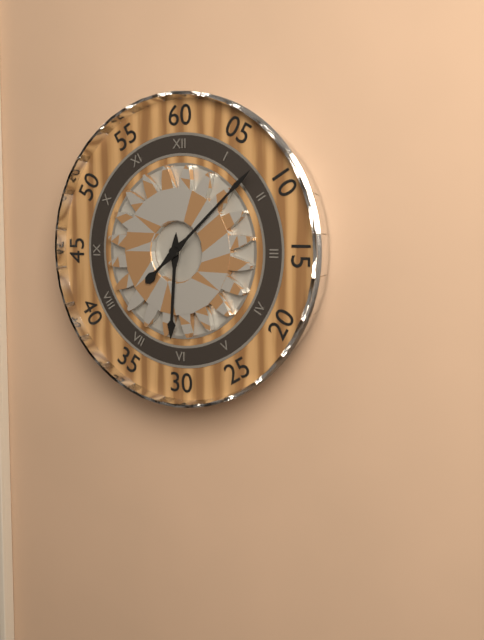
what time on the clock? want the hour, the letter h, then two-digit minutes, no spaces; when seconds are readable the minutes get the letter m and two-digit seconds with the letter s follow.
6h08
